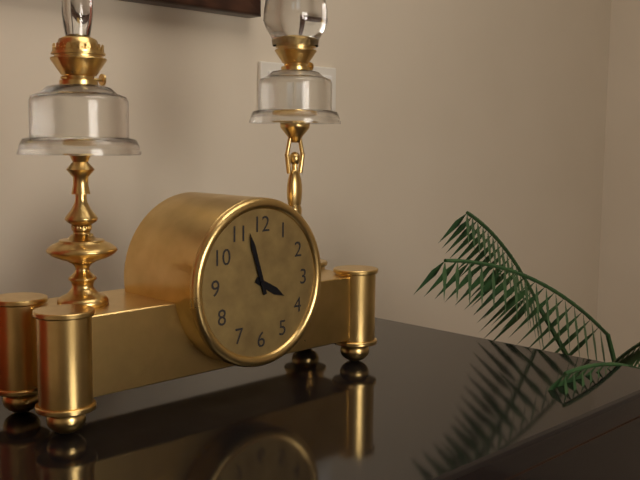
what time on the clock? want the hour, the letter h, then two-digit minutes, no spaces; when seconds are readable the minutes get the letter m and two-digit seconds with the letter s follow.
3h57
